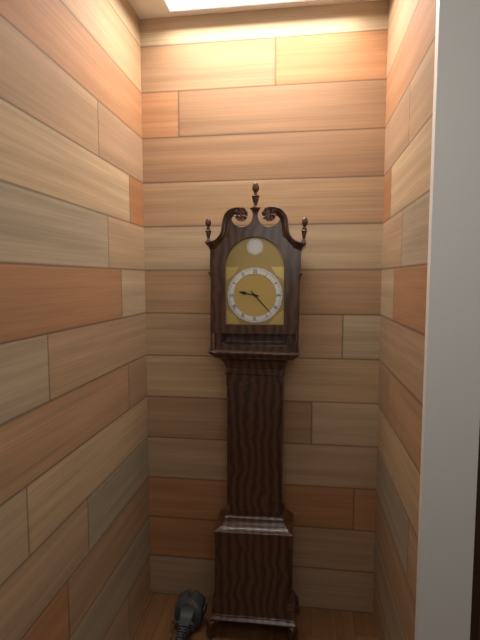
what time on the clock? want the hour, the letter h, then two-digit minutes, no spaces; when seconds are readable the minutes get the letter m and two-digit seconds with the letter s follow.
9h23
